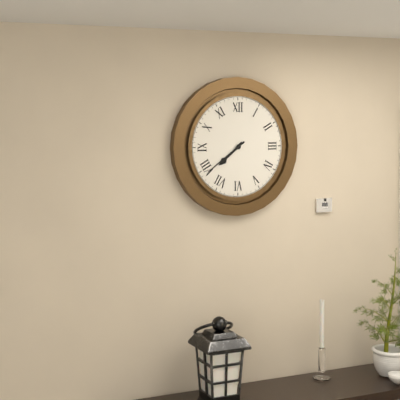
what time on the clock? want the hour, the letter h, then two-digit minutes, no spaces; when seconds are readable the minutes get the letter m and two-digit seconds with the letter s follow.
7h39
